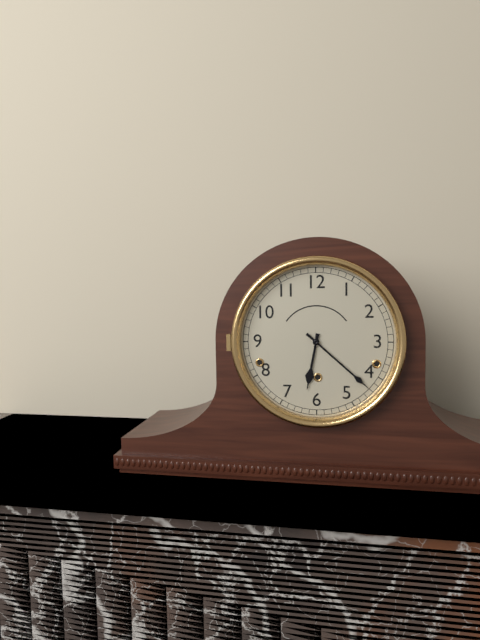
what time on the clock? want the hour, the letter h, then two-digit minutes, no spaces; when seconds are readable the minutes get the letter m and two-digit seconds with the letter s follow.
6h22
